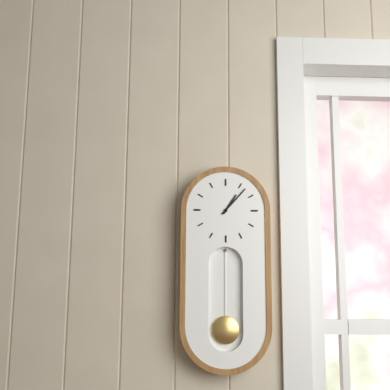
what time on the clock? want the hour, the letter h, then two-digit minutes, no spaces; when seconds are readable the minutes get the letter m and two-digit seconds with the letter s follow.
1h07
